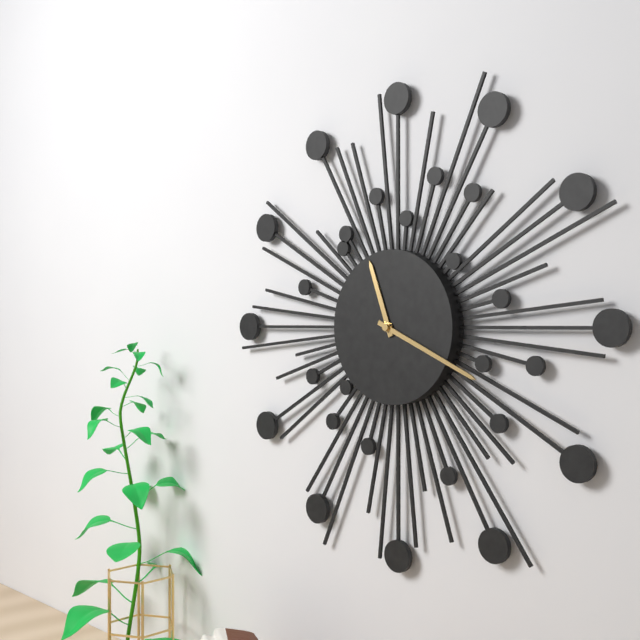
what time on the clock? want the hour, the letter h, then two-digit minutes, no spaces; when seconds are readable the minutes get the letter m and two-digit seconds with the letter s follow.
11h19
